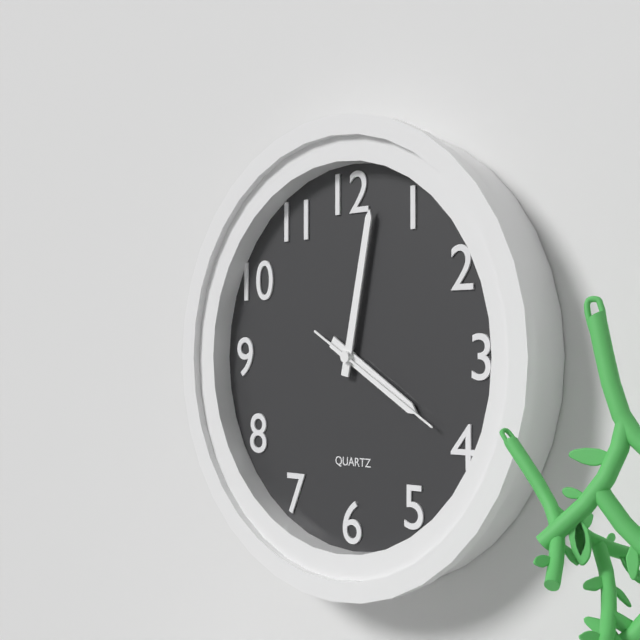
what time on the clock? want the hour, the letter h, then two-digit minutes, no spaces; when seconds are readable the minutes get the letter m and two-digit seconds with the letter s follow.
4h02m20s
